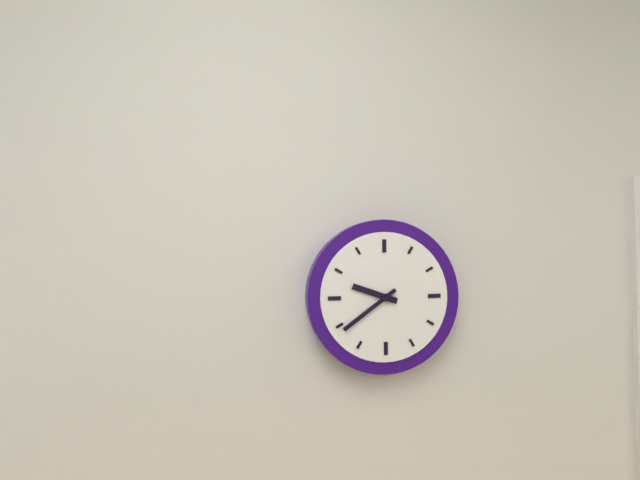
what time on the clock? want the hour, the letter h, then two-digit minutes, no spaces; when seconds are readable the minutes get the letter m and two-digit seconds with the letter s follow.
9h39
